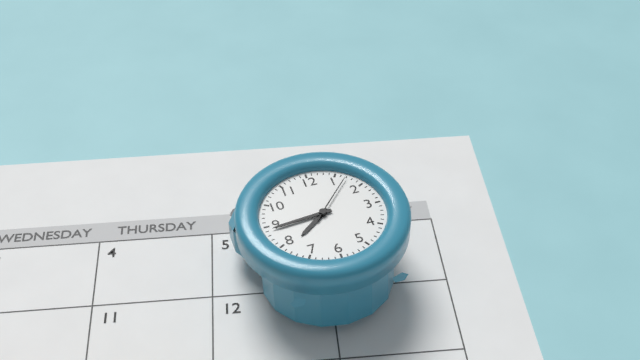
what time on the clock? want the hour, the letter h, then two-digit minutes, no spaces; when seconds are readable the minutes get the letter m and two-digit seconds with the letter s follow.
7h44m07s
